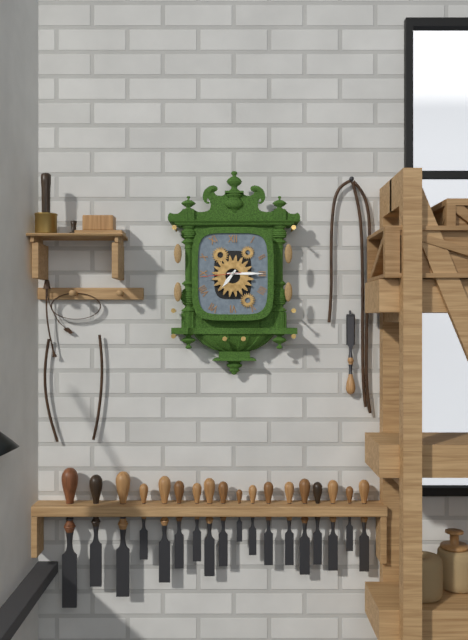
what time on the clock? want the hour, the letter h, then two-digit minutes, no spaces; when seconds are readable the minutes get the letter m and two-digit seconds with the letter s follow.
7h15
